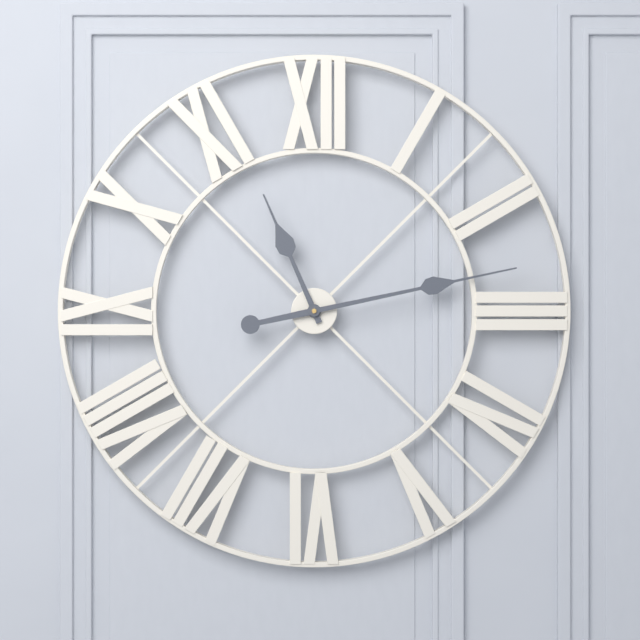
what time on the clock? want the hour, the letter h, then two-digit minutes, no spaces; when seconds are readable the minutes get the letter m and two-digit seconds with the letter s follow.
11h13
